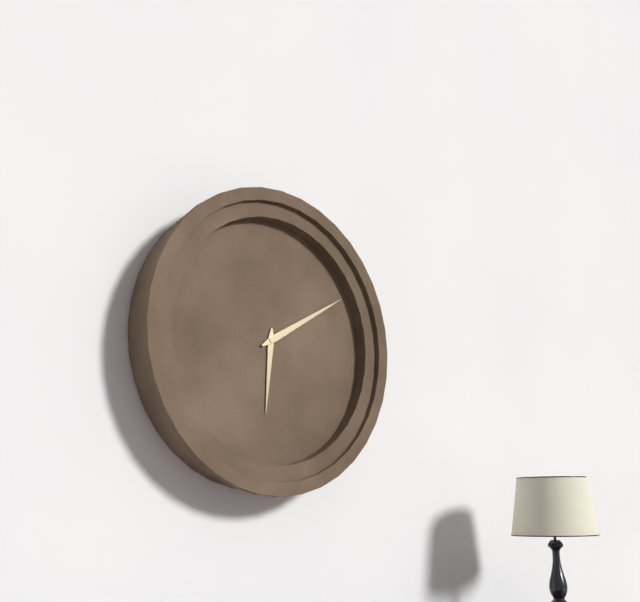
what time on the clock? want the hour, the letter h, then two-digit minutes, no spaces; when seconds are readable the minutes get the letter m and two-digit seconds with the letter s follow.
6h10
